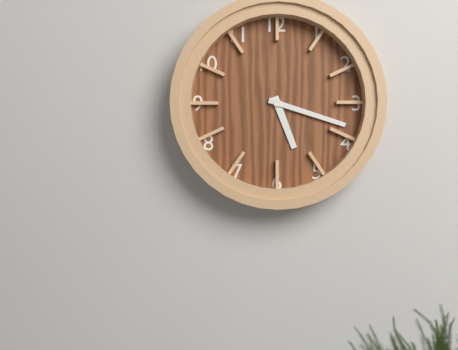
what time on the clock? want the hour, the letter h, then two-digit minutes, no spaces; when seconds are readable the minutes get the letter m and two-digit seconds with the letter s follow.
5h18
